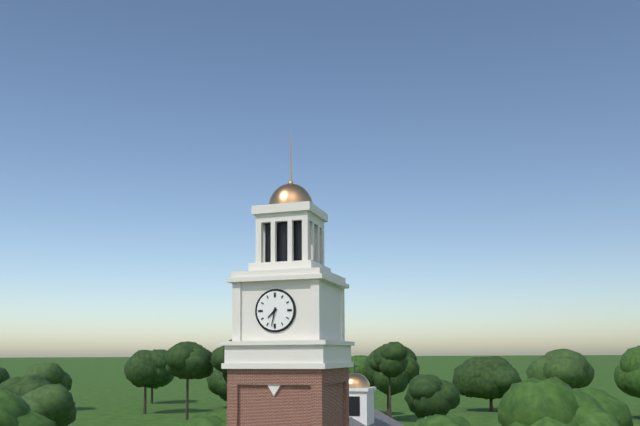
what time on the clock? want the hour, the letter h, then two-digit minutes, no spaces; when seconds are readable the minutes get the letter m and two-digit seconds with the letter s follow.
7h32
